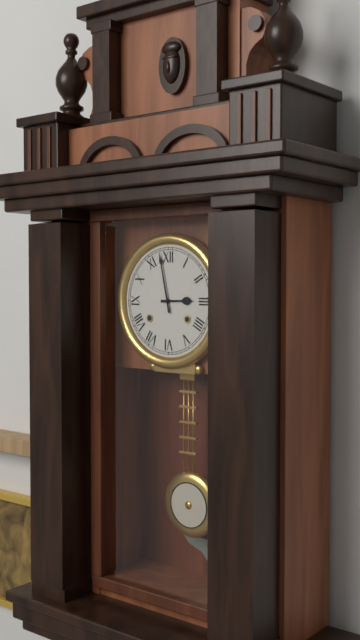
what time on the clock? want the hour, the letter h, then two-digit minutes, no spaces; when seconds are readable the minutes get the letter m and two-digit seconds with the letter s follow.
2h58
